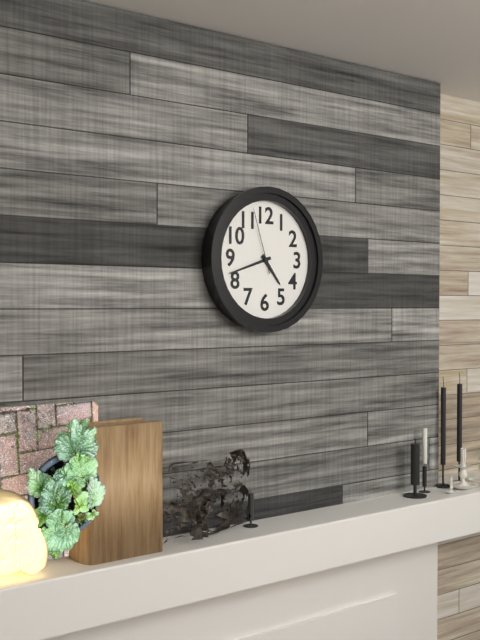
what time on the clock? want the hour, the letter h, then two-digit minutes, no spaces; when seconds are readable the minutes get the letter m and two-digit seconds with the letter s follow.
4h42m57s
